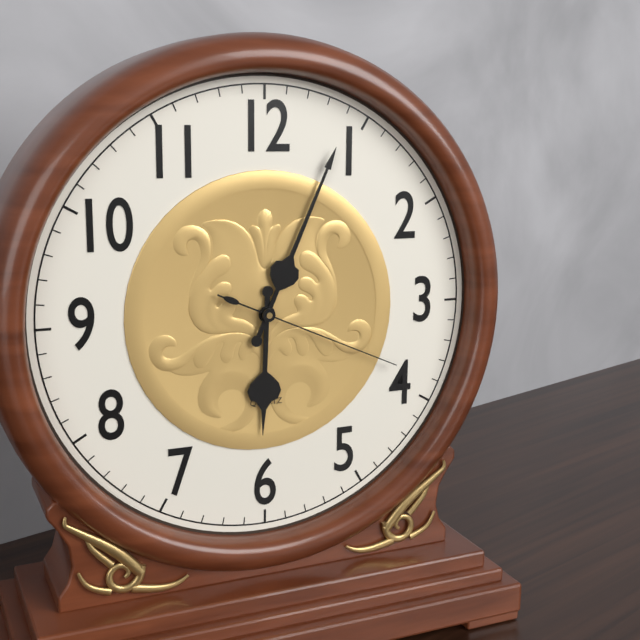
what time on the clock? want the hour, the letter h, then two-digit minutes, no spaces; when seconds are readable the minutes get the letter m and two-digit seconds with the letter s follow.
6h04m19s
